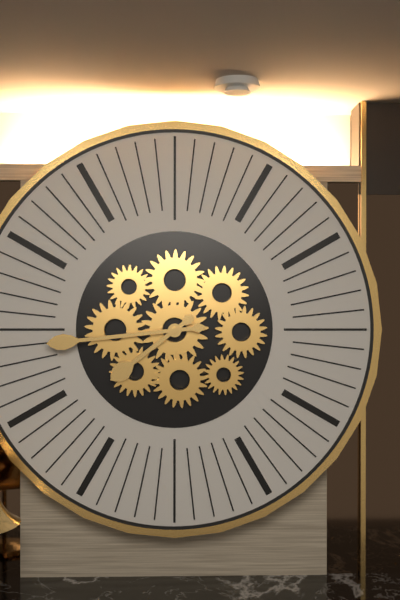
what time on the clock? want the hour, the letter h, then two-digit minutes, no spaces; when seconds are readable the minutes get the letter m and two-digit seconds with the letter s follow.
7h44
